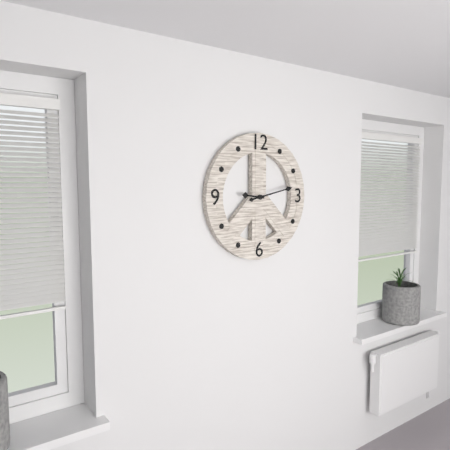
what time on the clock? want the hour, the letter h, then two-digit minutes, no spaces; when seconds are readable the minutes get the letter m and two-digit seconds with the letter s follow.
9h13
